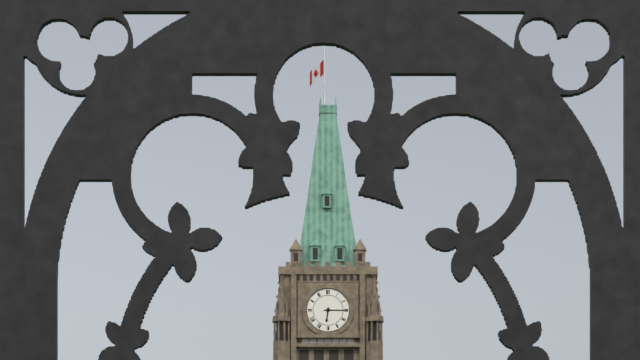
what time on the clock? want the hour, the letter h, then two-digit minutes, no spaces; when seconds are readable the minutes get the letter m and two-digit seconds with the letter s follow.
6h15
